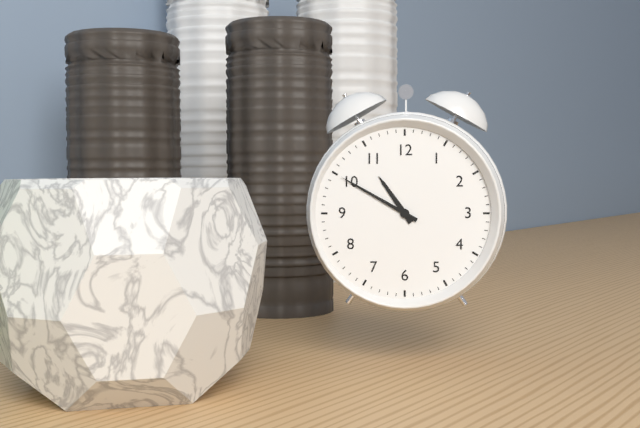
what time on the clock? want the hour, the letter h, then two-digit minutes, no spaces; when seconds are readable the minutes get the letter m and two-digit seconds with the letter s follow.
10h50
